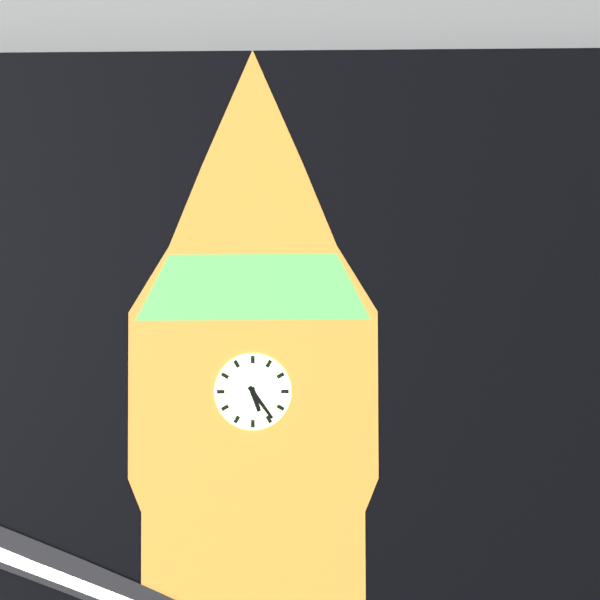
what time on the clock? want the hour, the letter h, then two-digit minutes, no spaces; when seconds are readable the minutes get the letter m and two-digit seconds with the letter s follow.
5h24
